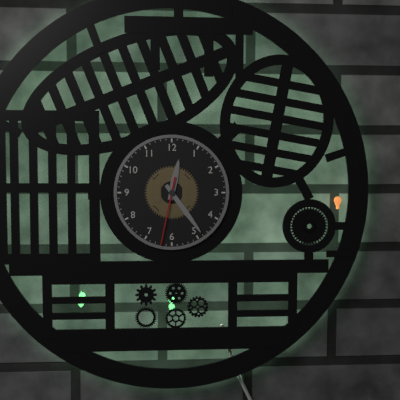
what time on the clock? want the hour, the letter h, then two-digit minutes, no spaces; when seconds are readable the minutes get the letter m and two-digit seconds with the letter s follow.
12h24m32s
